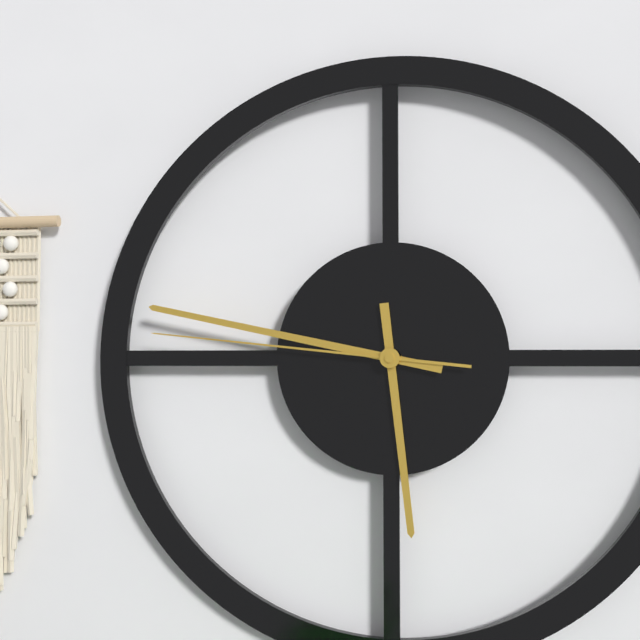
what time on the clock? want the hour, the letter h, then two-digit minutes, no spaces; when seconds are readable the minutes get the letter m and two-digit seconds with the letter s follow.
5h47m46s
